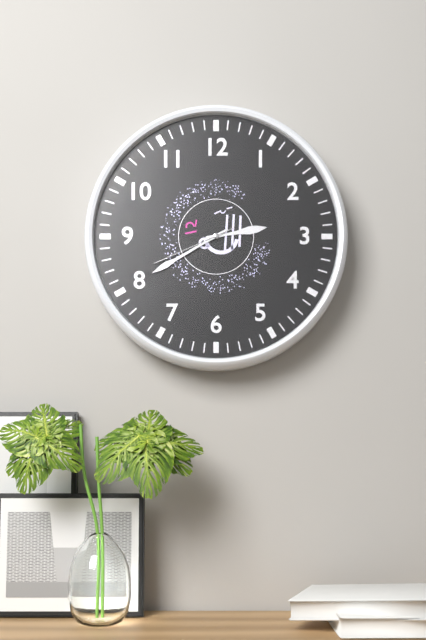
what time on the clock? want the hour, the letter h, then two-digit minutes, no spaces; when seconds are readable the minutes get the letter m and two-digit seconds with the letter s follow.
2h40m41s
